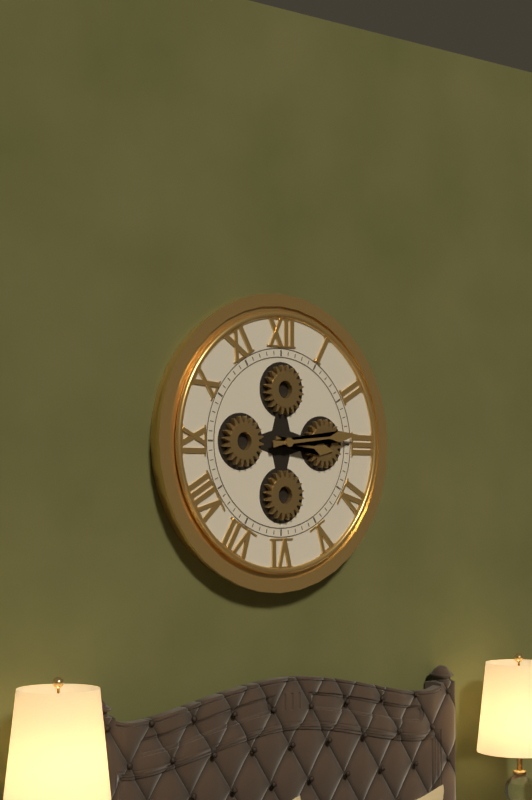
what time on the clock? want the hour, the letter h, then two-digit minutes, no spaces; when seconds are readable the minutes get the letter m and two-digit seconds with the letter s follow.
3h14
